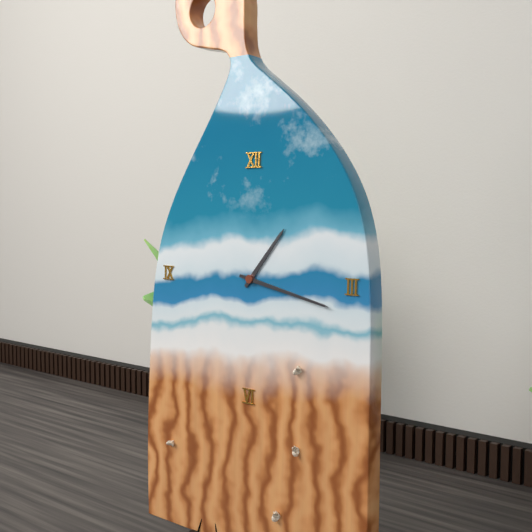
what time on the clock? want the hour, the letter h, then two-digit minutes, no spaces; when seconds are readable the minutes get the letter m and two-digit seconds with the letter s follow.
1h17
